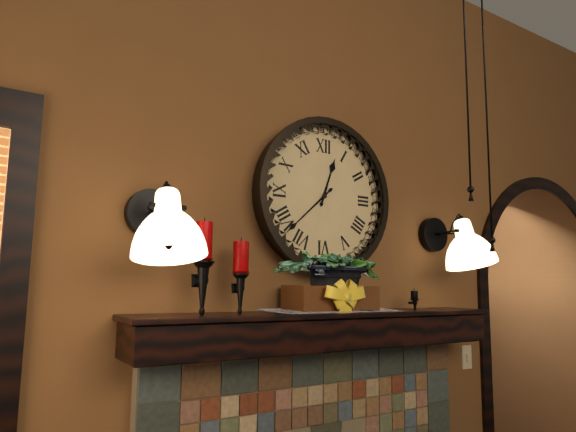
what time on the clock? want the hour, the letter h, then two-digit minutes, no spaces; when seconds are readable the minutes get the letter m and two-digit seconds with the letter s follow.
12h38
